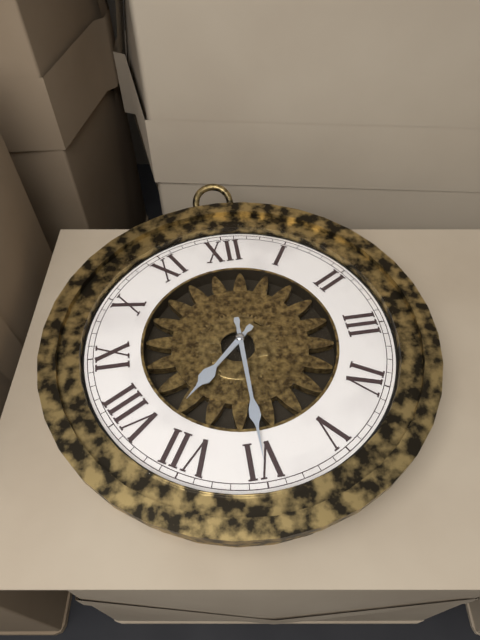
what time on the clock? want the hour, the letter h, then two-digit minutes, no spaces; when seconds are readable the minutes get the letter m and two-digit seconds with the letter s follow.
7h30
